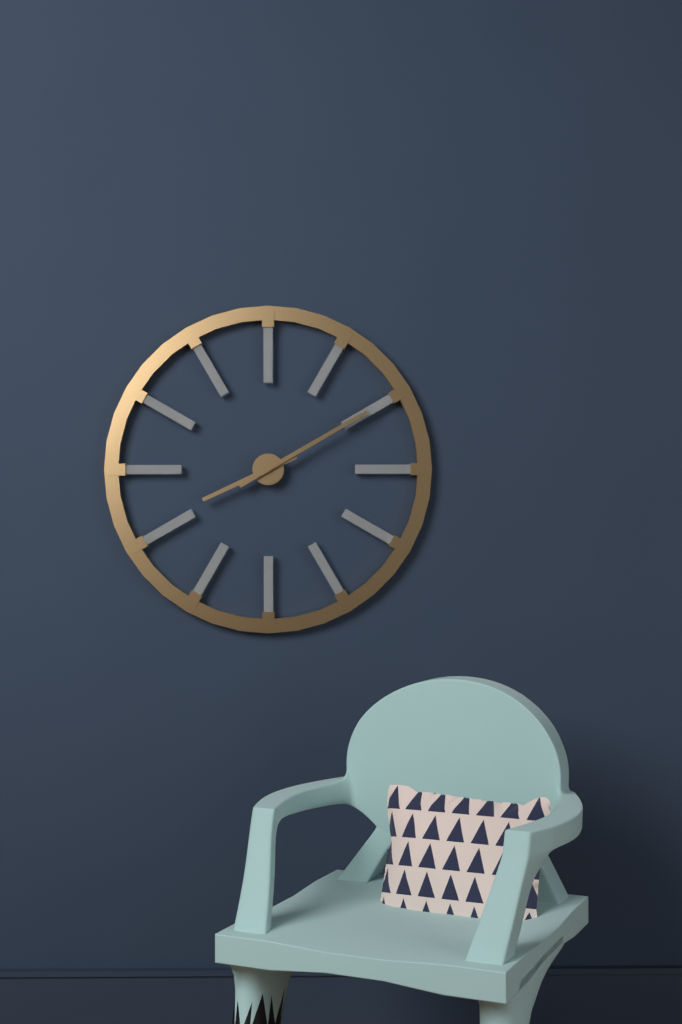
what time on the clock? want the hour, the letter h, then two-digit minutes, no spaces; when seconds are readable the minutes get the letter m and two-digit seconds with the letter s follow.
8h10
